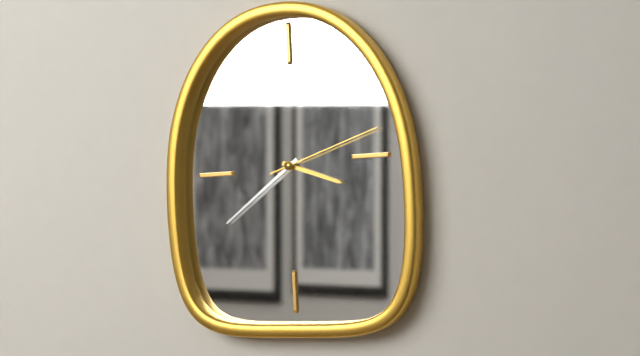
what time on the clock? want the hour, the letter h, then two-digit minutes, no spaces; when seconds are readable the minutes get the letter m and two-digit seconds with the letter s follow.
3h39m12s
